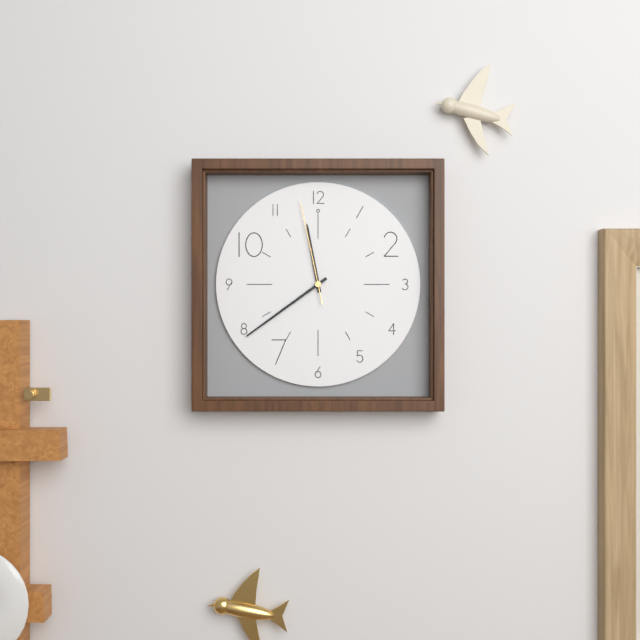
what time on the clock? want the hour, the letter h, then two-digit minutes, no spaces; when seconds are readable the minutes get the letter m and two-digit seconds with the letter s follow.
11h39m58s
